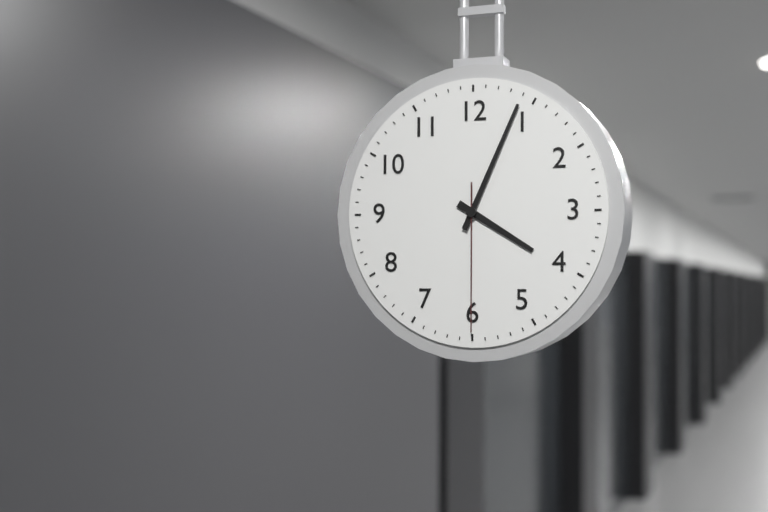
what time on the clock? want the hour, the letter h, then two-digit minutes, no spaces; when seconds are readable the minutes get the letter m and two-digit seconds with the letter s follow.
4h04m30s
